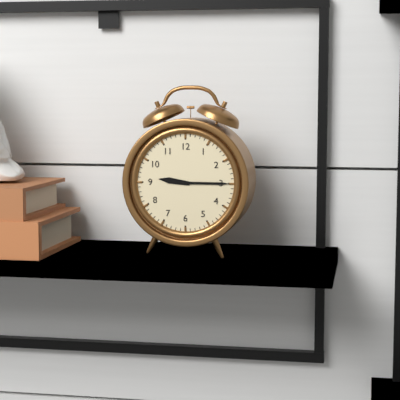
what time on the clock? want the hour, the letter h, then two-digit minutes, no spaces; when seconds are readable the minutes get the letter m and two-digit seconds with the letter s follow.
9h15
